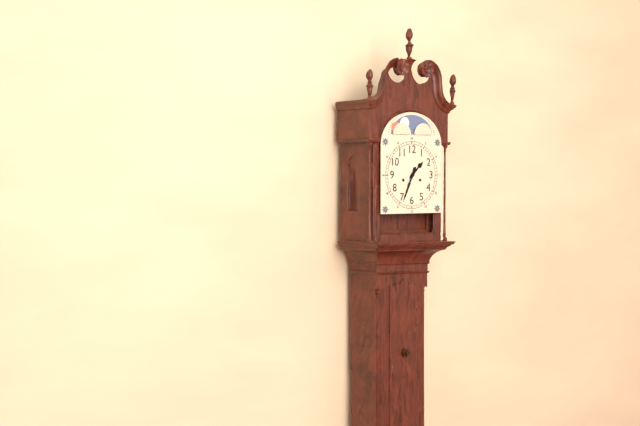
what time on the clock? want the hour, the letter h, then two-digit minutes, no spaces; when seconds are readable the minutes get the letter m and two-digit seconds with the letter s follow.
1h34
